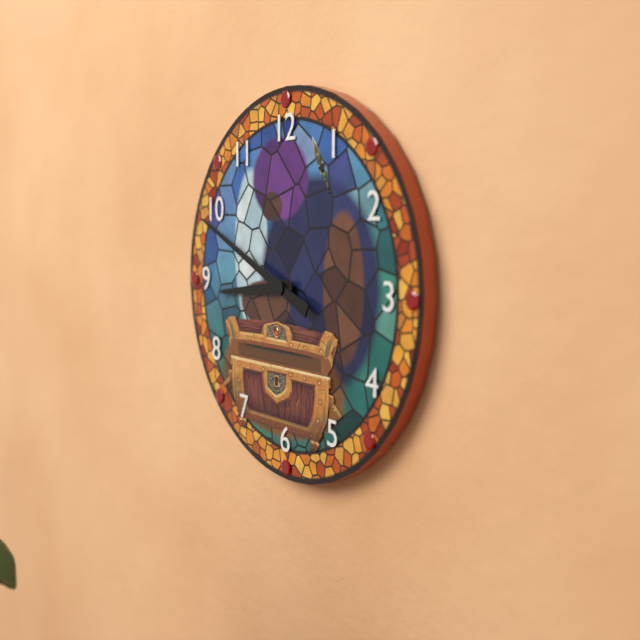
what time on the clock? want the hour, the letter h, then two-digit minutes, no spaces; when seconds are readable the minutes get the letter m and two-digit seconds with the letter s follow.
8h49
